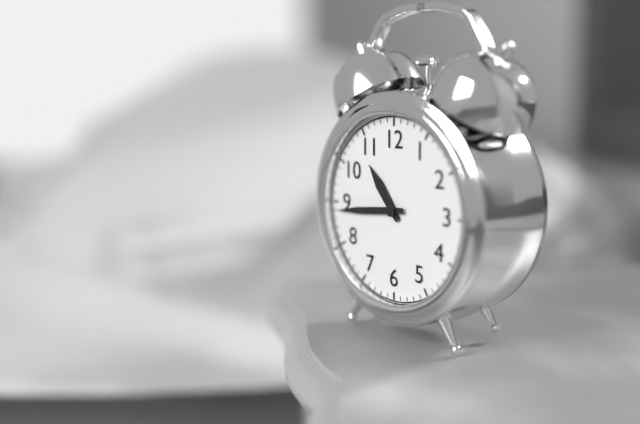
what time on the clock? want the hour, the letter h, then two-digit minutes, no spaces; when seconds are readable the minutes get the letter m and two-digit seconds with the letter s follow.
10h44
